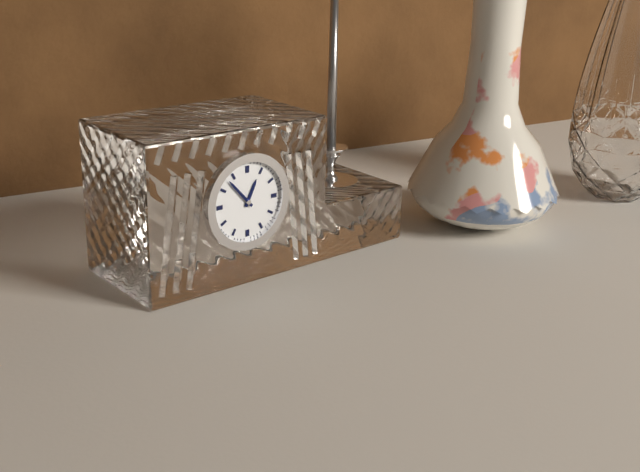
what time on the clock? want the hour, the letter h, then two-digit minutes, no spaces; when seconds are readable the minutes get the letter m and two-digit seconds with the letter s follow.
12h53
